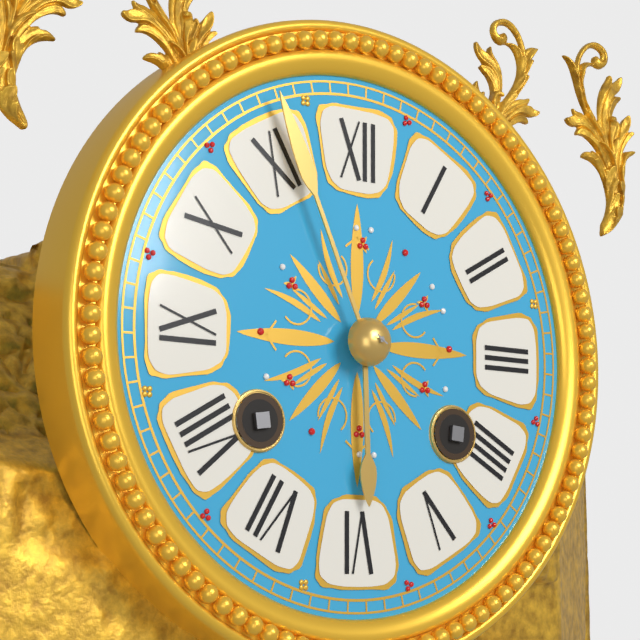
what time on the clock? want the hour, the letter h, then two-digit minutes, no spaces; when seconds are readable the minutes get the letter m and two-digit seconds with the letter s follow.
5h56
